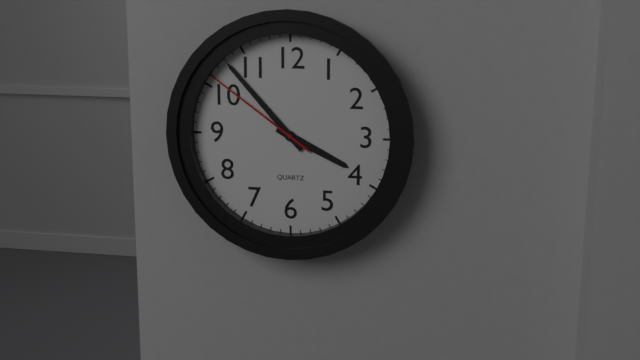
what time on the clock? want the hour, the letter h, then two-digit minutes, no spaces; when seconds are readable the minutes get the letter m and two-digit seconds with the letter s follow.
3h53m51s
